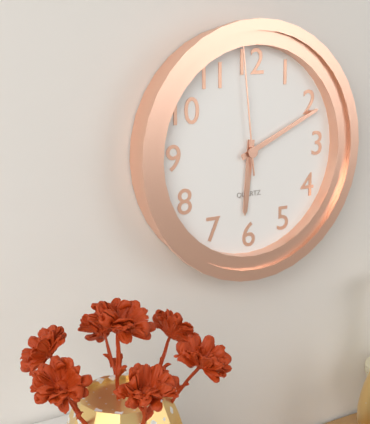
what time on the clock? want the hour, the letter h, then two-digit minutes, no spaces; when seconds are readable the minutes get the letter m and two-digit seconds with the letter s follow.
6h11m59s
